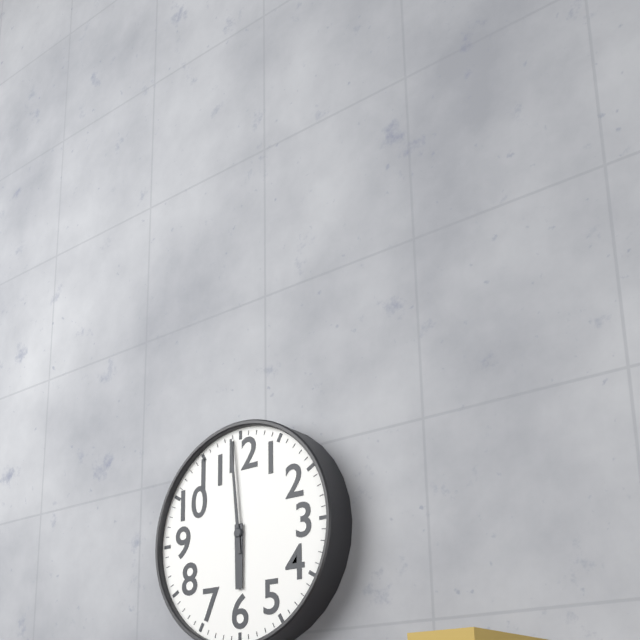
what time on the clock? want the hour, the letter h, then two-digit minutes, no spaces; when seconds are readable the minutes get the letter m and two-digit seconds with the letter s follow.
5h59
